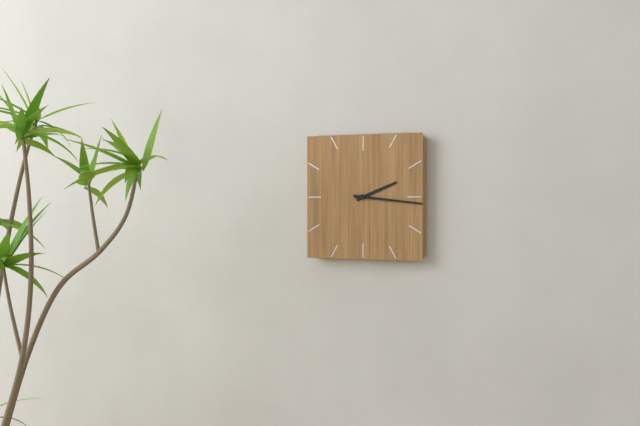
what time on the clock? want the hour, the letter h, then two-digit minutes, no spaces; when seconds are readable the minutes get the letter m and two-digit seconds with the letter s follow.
2h16
